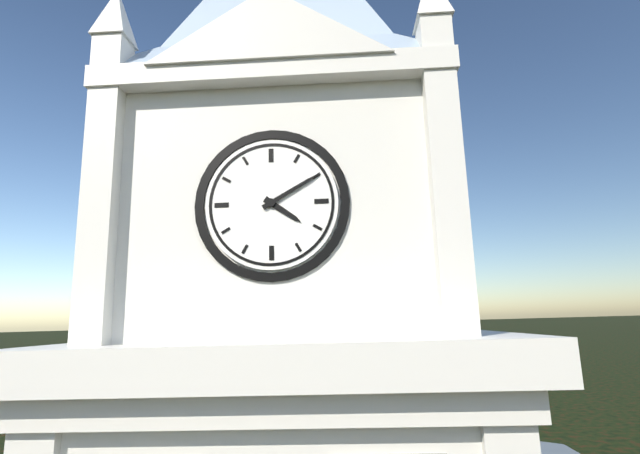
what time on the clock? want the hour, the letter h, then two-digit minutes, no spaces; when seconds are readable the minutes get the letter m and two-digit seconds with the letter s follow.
4h10
